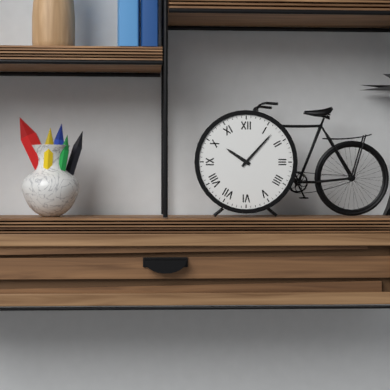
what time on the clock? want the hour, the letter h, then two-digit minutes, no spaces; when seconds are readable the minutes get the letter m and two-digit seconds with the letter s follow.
10h07
